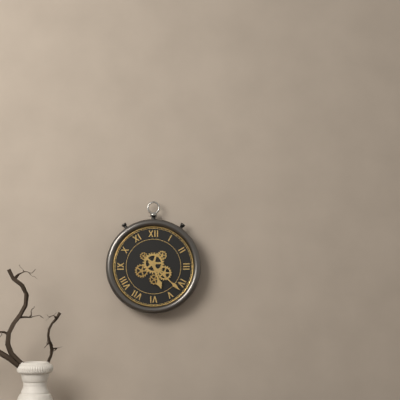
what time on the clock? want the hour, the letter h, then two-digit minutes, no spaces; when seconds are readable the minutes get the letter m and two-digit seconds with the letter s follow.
5h22
